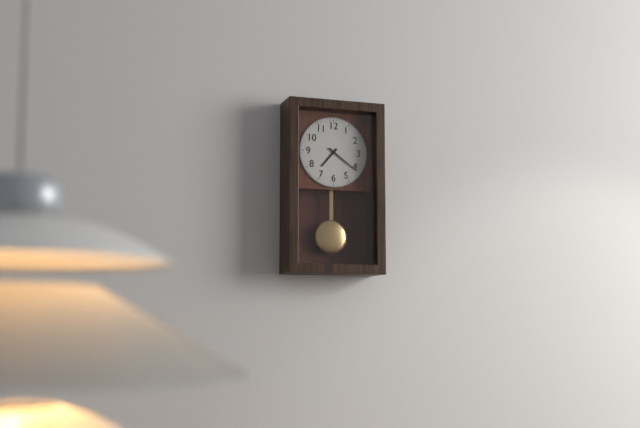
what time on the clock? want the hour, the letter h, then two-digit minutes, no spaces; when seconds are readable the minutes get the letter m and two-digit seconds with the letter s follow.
7h21
